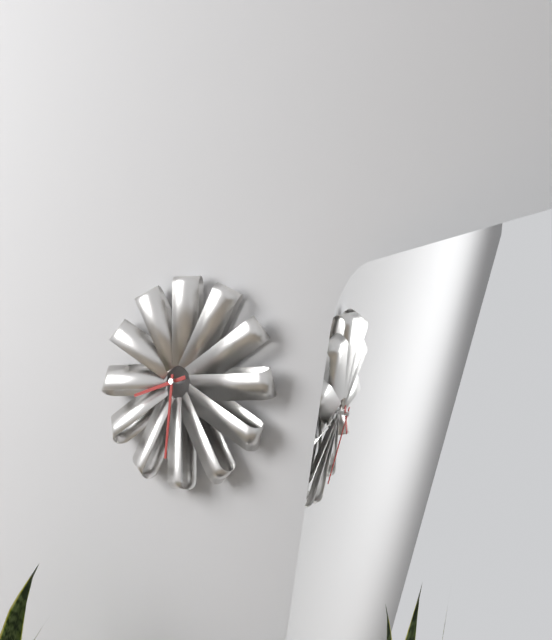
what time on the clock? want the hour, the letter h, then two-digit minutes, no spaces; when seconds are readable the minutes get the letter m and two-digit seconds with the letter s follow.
8h31
